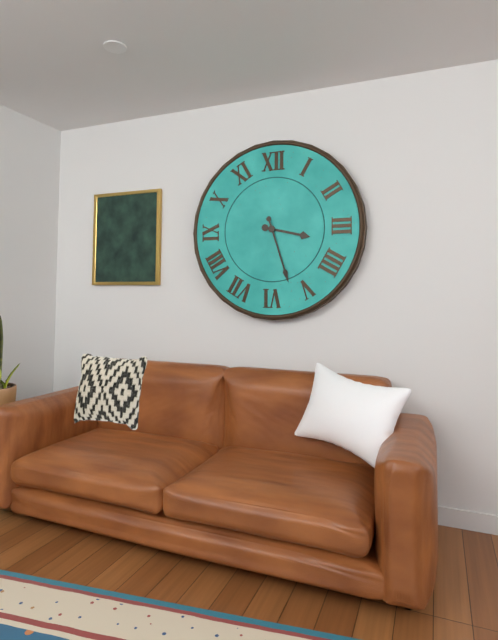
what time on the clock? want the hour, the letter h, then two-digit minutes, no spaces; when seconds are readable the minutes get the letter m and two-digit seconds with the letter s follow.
3h27
